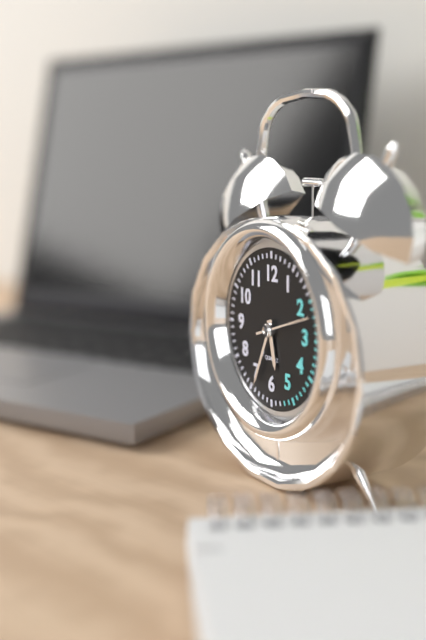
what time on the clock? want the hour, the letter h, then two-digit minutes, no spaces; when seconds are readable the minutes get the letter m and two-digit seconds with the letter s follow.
5h34
